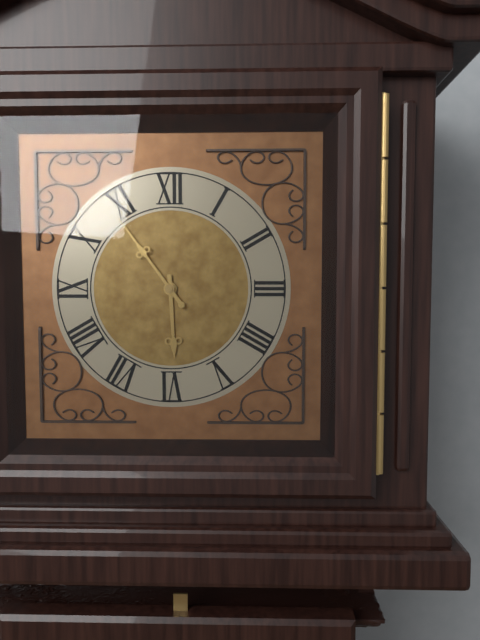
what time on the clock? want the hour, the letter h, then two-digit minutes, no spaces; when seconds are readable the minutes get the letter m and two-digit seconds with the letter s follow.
5h54
